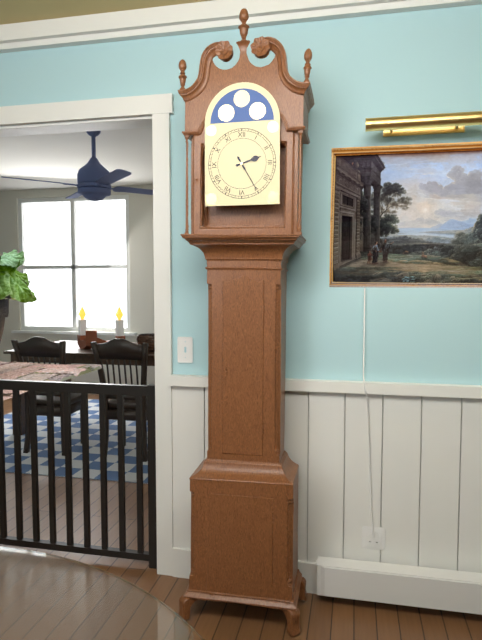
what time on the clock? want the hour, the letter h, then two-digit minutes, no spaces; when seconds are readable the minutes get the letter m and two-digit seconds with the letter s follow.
2h25
